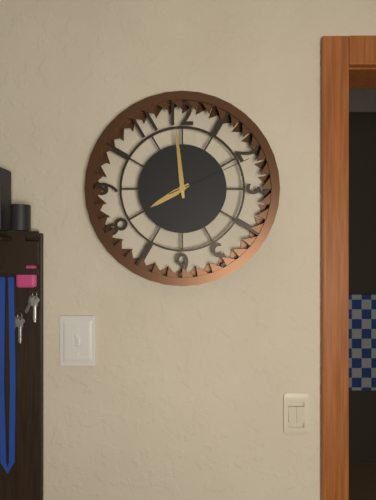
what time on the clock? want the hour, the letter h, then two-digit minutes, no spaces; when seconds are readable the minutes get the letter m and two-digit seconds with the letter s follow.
7h59m11s
